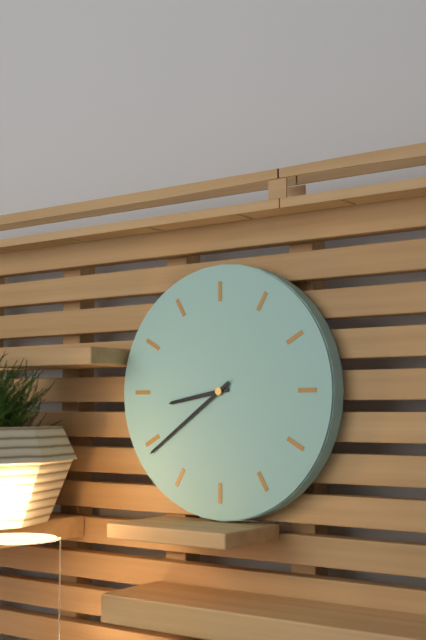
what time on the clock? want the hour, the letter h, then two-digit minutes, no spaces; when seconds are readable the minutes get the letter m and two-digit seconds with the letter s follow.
8h39
